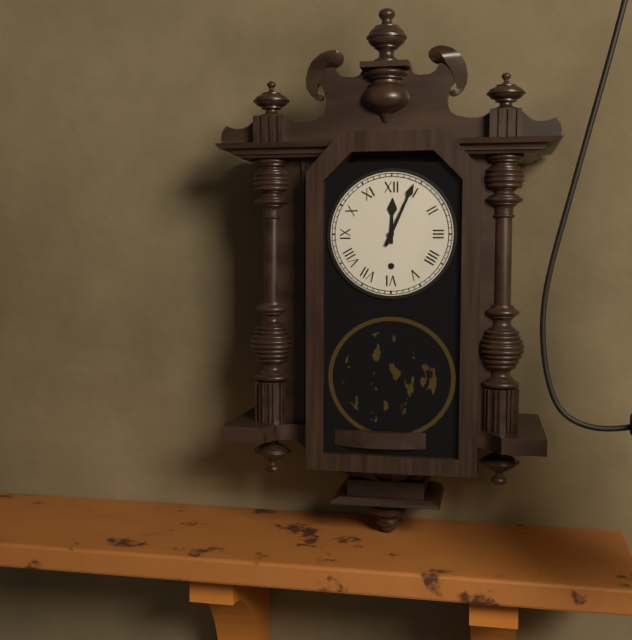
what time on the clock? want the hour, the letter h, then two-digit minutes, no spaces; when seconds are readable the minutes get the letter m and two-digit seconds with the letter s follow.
12h04
